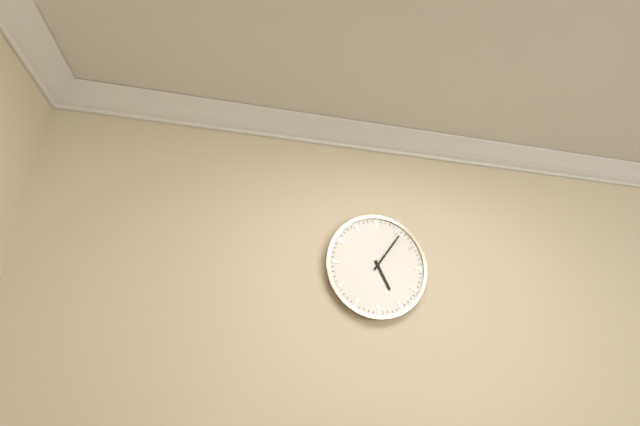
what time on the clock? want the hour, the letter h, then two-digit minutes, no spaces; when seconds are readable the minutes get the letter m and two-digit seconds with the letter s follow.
5h06
